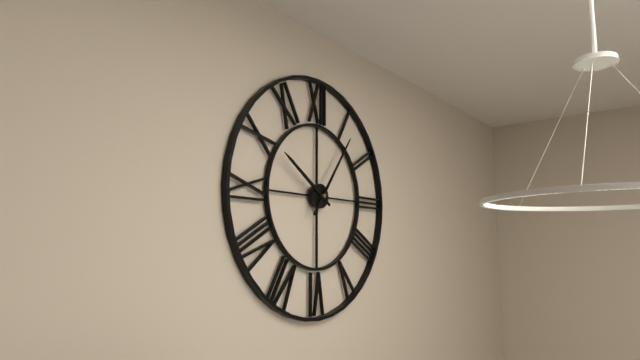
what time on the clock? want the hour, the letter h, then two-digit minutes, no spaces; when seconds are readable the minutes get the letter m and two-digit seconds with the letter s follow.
10h06
